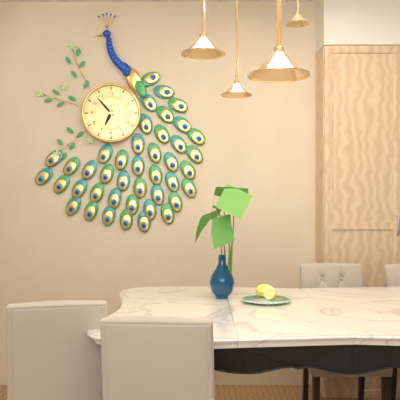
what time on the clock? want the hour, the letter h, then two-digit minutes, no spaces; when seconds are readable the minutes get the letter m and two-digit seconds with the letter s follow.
6h53
